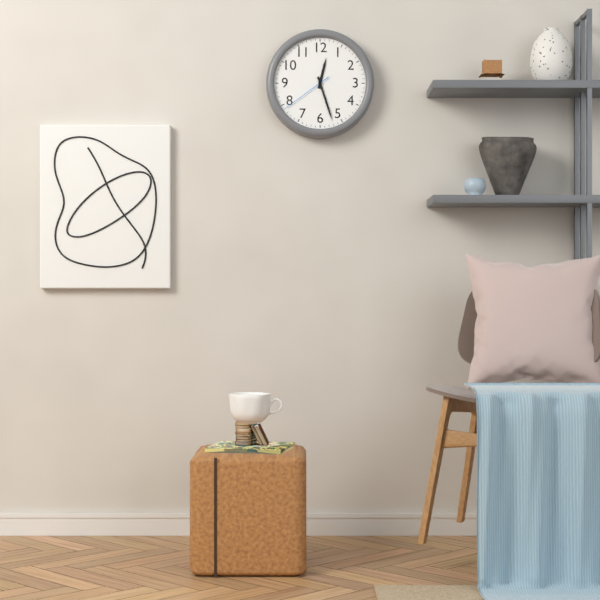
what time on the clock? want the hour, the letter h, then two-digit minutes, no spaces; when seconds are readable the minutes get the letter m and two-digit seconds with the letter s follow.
12h27m39s
